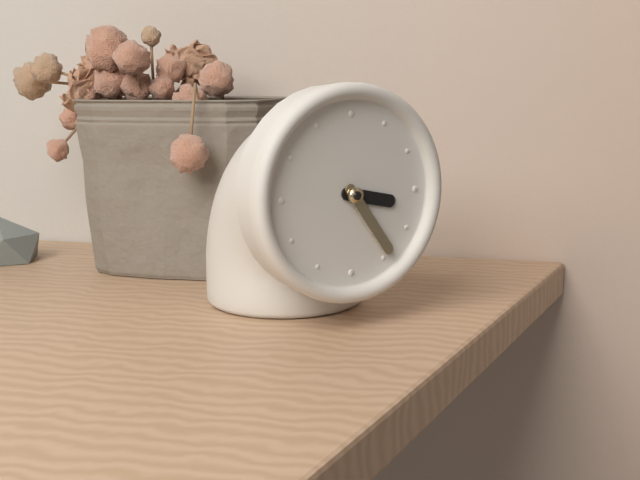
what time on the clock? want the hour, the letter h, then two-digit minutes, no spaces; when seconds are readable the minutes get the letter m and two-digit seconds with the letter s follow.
3h24
